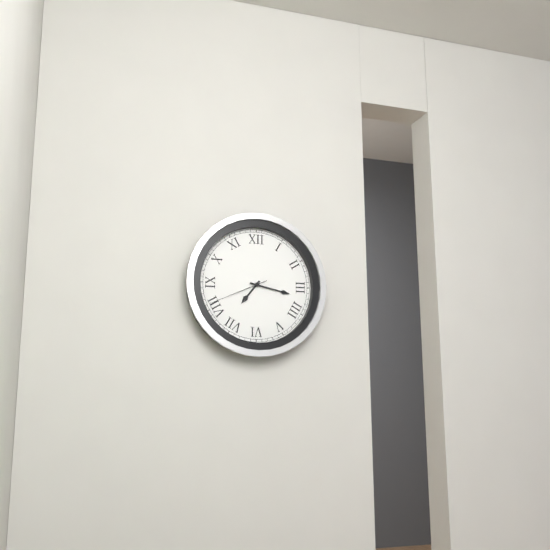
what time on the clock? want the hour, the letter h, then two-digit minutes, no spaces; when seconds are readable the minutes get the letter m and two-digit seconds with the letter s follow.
7h17m41s
